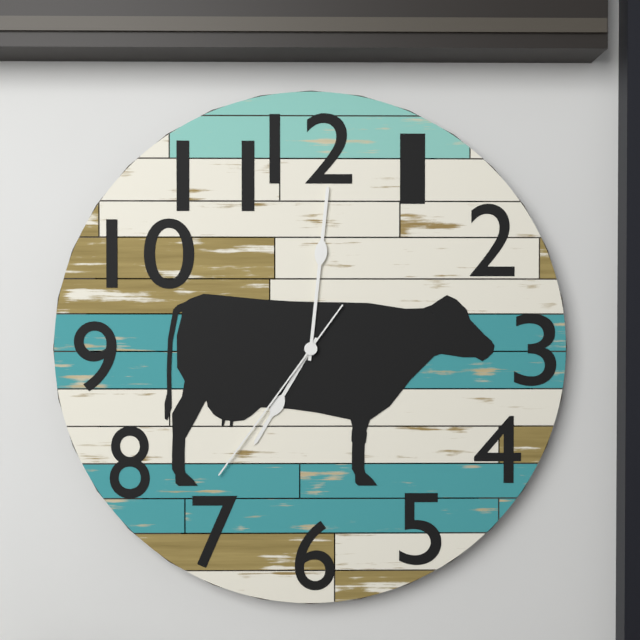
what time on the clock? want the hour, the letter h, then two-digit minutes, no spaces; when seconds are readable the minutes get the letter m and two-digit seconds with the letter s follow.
7h01m36s
